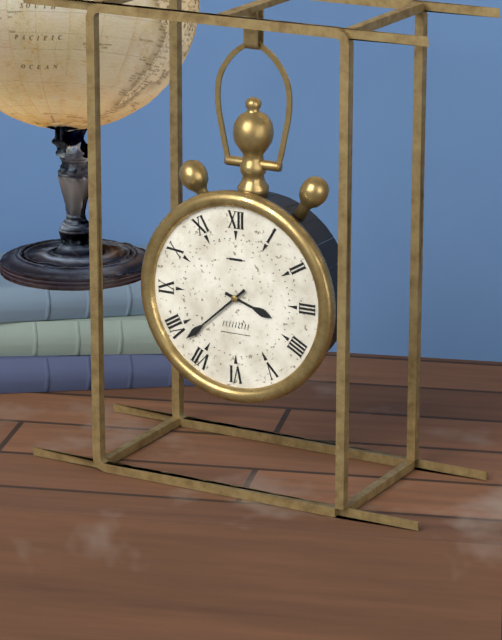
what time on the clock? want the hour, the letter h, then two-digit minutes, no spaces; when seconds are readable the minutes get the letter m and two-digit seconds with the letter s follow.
3h38
